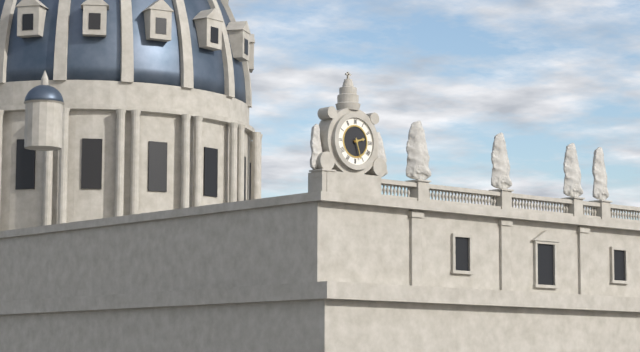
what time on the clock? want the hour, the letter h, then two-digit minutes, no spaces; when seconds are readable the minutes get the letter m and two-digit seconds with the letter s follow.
2h27
